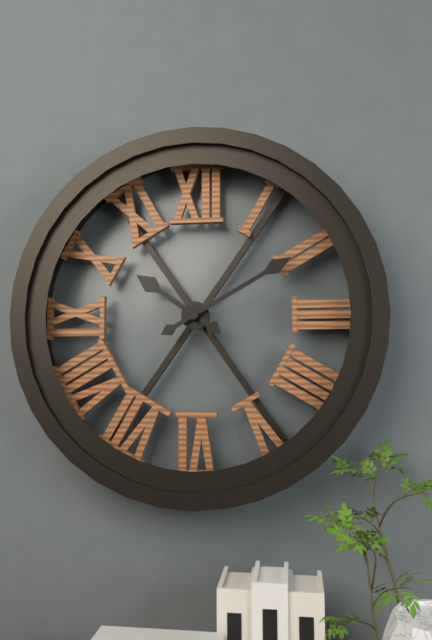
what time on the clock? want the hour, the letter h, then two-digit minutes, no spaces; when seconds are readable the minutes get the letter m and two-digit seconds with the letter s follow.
10h10
